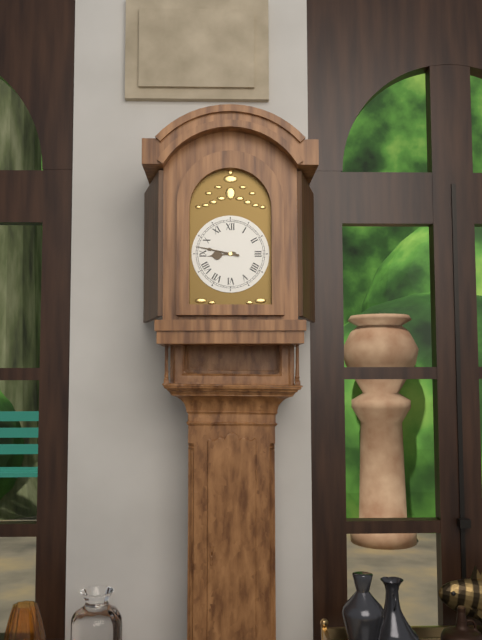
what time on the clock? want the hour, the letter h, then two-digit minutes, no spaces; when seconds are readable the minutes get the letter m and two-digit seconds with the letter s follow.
8h47
